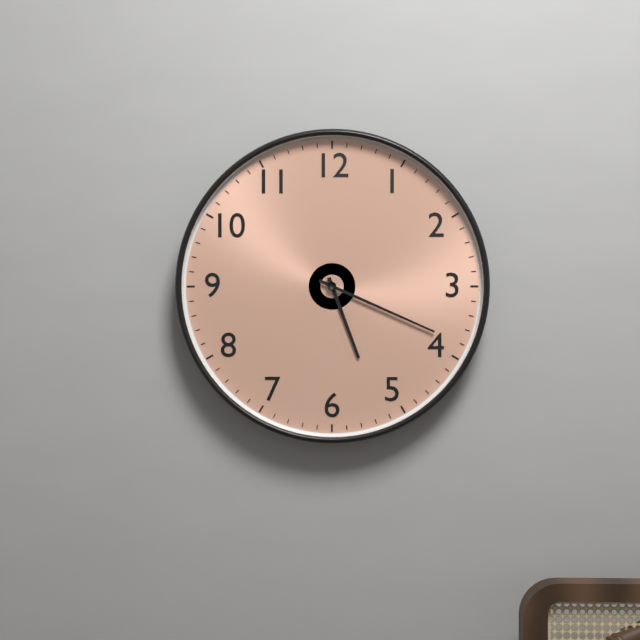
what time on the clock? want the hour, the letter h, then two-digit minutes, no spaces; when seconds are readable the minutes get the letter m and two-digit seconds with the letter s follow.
5h19
